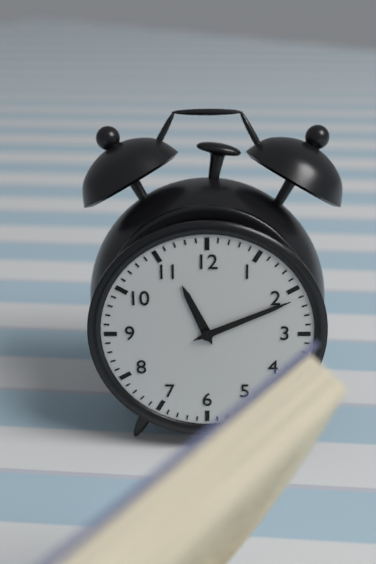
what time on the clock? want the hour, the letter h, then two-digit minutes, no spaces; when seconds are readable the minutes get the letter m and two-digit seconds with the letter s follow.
11h11
